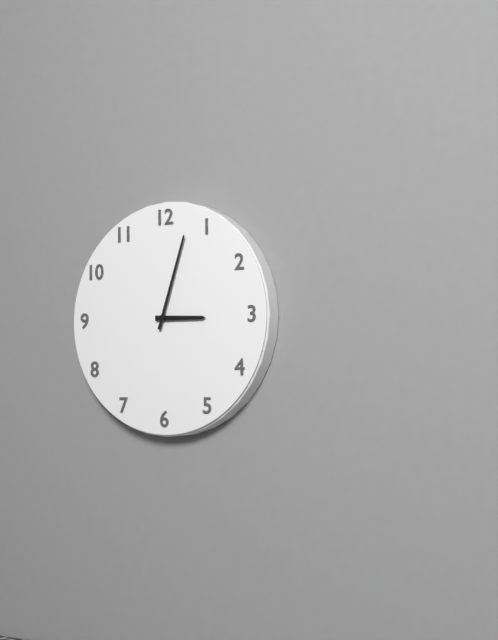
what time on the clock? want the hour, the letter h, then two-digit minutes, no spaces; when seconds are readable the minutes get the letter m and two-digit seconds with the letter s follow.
3h03
